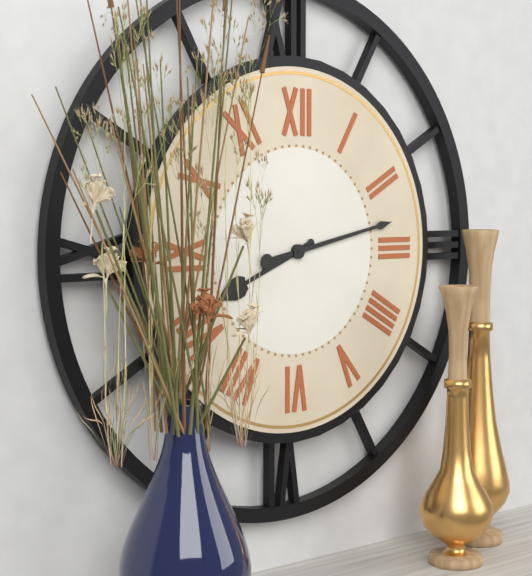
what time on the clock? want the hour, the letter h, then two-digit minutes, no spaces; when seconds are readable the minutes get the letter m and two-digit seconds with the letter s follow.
8h13
